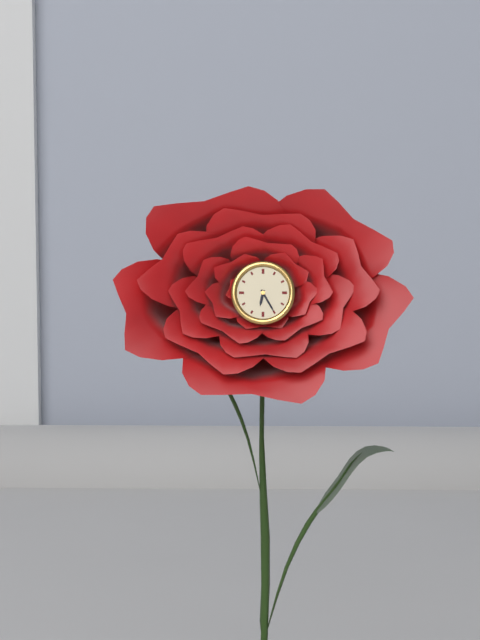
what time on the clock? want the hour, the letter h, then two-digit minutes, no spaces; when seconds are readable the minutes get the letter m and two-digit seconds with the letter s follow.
6h25
